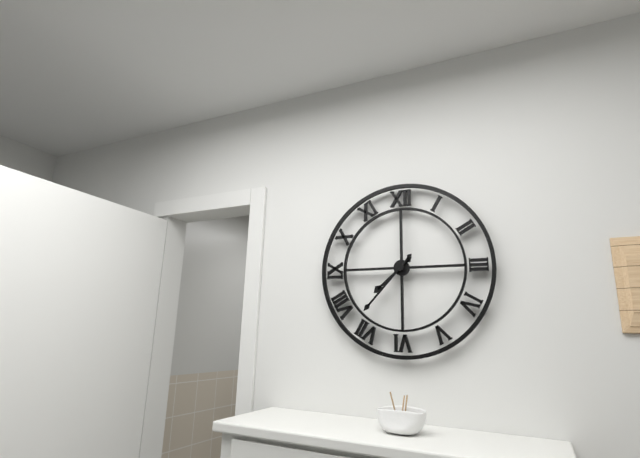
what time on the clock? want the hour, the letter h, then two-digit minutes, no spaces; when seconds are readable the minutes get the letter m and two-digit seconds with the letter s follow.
7h37
